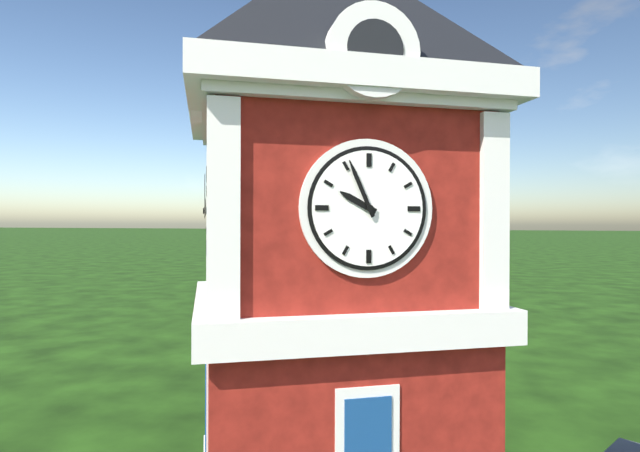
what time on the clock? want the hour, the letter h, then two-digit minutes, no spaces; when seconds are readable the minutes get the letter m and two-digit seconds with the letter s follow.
9h56
